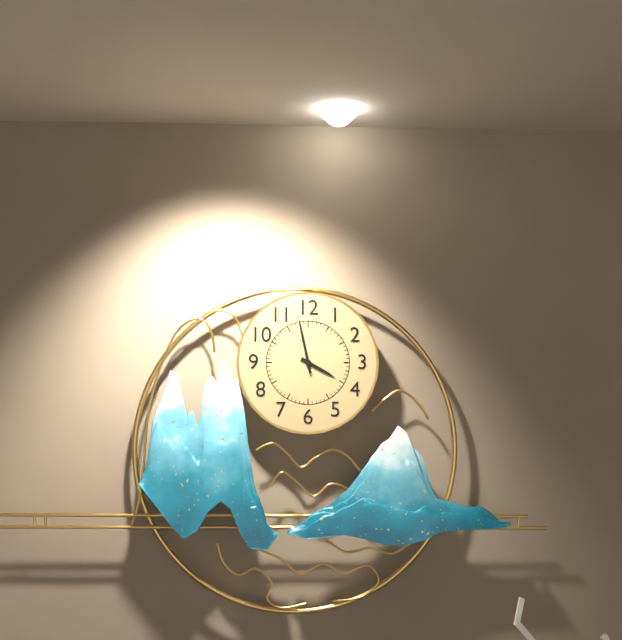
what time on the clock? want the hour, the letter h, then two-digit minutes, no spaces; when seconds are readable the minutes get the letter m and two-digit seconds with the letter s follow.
3h58
